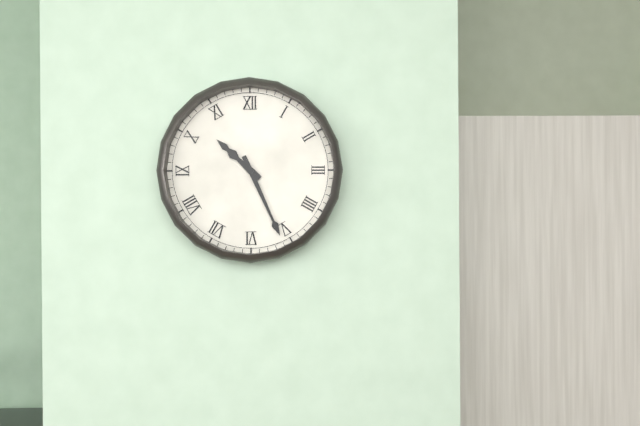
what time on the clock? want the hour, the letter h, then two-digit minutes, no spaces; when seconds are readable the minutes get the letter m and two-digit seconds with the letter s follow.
10h26
